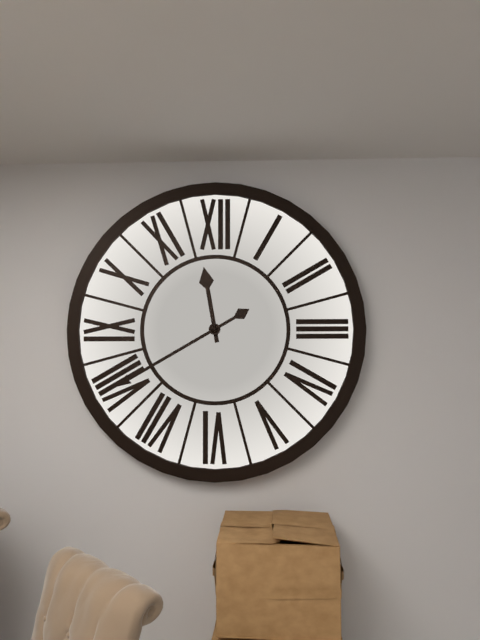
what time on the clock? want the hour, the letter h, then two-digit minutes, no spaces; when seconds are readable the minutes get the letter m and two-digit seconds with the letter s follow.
11h40
